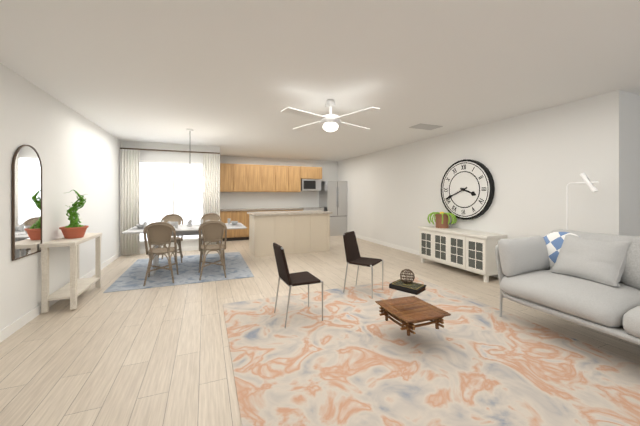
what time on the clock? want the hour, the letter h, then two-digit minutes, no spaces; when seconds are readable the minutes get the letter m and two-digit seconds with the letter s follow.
3h41
